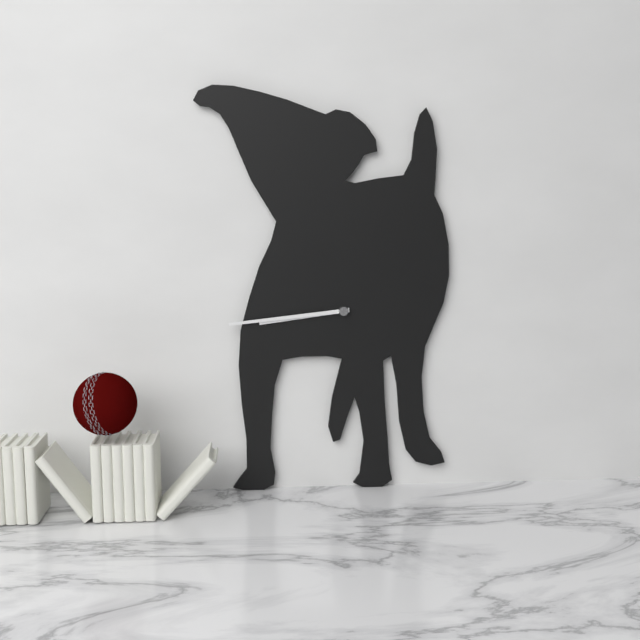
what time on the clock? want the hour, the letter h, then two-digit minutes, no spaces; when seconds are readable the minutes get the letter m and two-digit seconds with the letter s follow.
8h44
